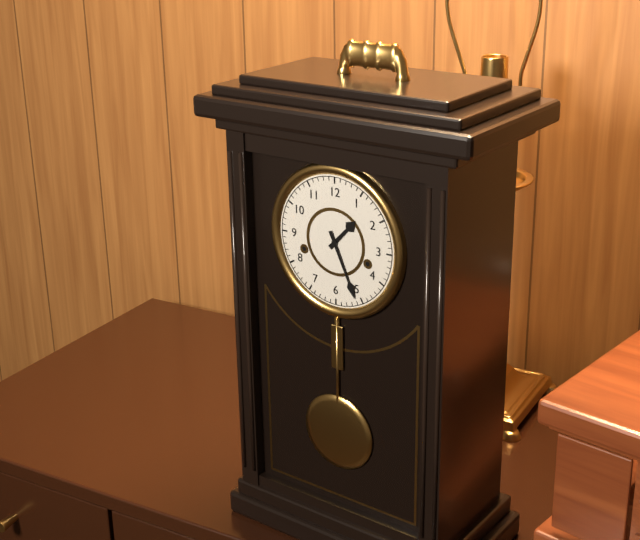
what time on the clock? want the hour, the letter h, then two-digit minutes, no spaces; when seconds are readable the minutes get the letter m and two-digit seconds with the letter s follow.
1h26
